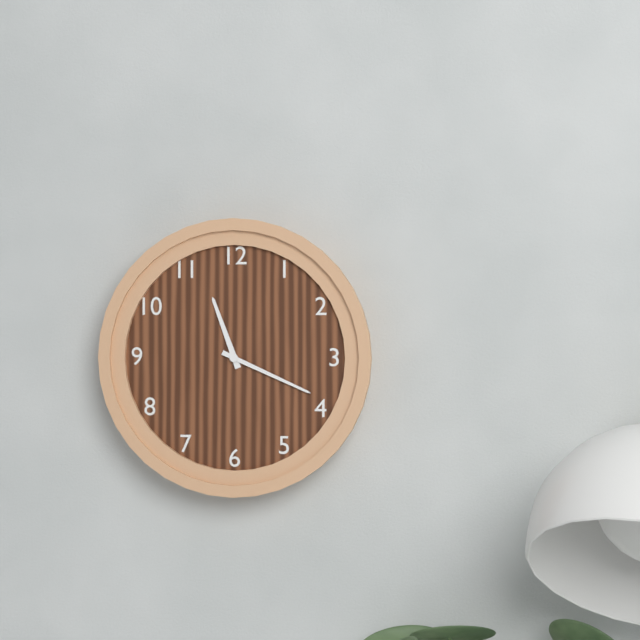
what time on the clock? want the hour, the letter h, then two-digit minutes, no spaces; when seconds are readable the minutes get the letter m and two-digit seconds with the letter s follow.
11h19
